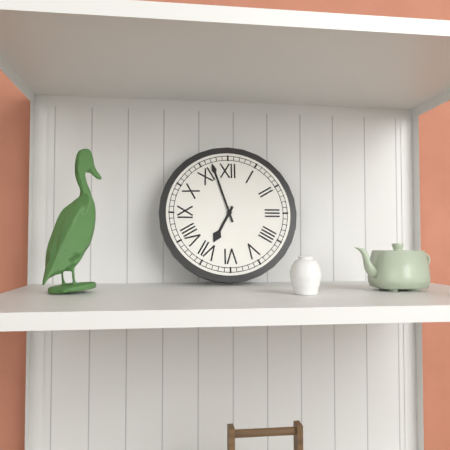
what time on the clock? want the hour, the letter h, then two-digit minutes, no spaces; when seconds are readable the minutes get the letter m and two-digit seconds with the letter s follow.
6h57
